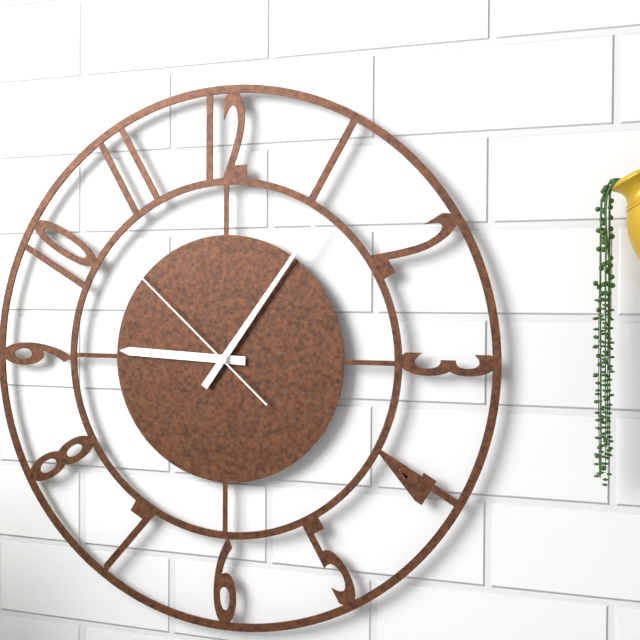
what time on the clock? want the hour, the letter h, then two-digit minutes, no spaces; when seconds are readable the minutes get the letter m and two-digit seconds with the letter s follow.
9h06m52s
